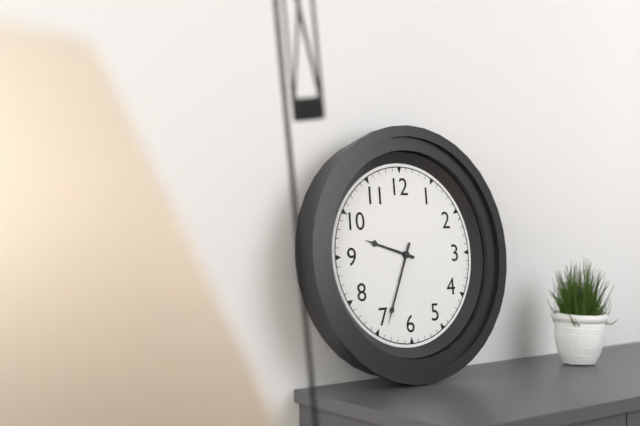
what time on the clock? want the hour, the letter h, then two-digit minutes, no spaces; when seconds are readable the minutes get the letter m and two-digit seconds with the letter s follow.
9h34
